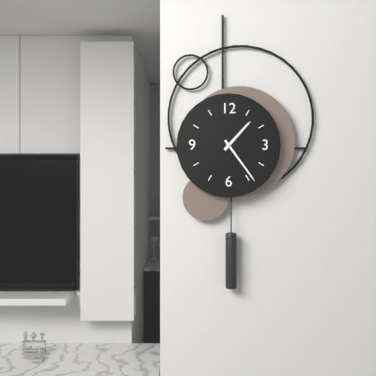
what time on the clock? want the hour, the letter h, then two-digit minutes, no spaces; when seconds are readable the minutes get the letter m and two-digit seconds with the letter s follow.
1h24
